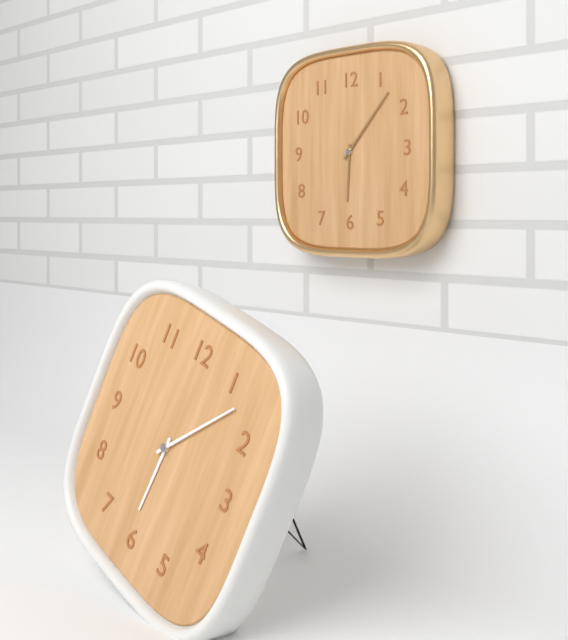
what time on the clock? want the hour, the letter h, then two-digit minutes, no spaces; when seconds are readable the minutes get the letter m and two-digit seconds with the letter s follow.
6h07
